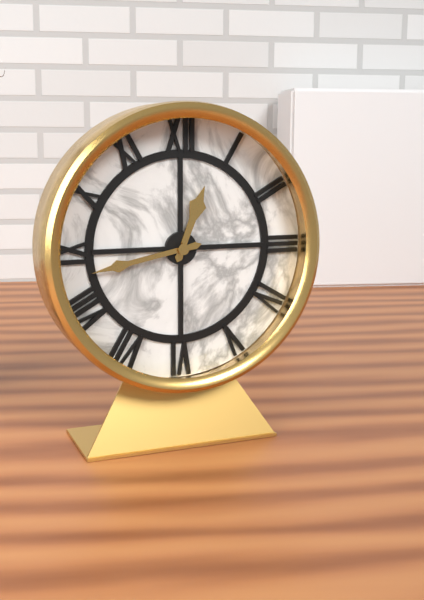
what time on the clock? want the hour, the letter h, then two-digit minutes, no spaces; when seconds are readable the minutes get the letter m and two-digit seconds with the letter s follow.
12h43
